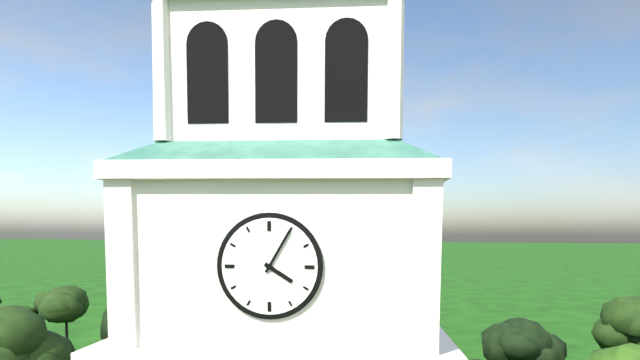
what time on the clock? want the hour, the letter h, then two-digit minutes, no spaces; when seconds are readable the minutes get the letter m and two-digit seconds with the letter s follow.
4h05
